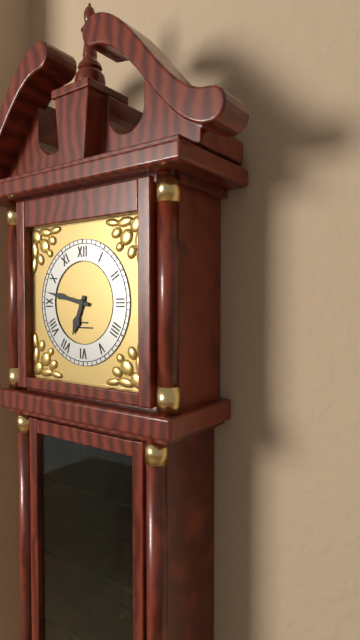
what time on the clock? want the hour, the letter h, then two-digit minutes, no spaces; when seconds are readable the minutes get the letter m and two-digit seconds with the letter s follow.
6h47
